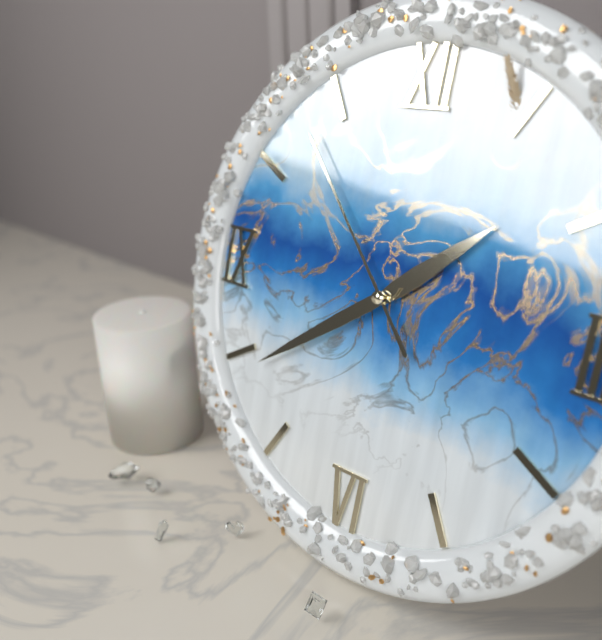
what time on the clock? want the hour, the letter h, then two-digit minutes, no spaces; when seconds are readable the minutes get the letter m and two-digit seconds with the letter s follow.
1h39m53s
